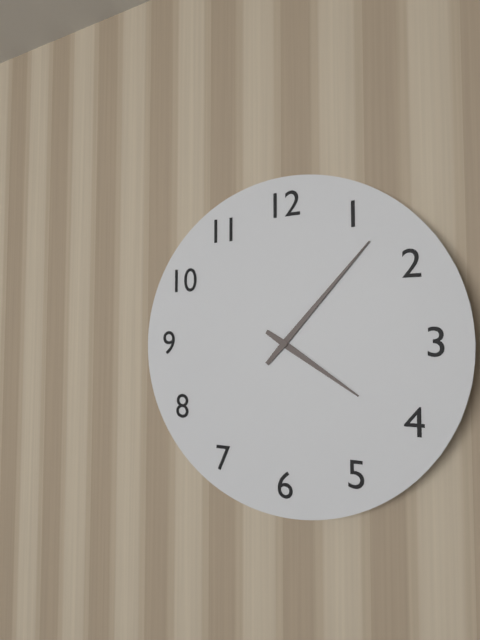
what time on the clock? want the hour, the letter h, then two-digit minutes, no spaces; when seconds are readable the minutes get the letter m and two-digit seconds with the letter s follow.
4h07
